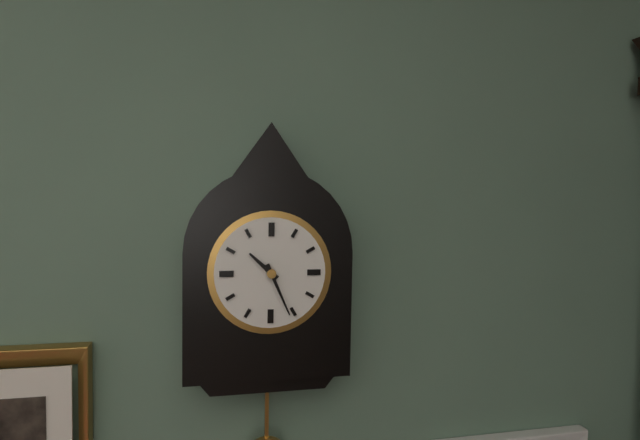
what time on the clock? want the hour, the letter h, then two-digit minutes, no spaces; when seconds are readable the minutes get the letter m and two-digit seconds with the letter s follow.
10h26
